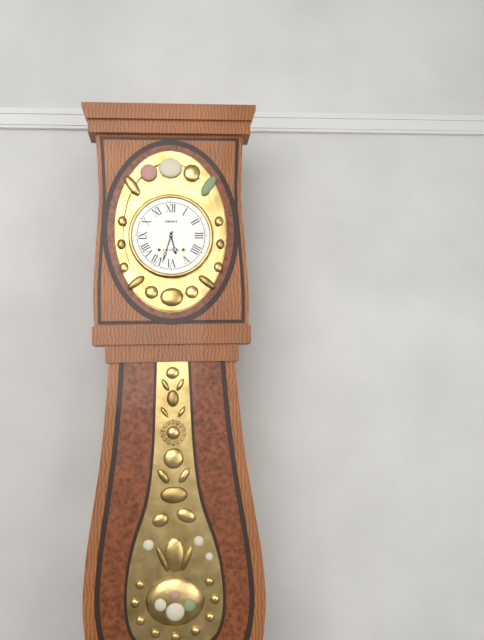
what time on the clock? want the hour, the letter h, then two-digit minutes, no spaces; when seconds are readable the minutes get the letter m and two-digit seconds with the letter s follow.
5h33
